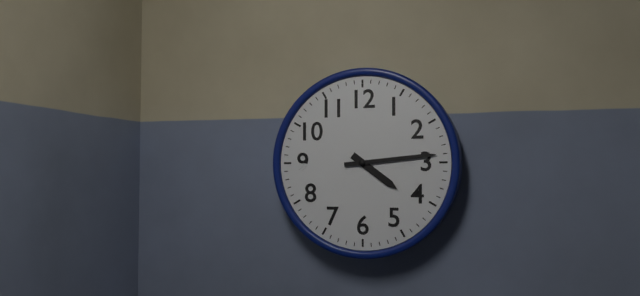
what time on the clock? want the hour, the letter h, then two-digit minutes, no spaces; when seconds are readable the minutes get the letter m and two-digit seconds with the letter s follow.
4h14
